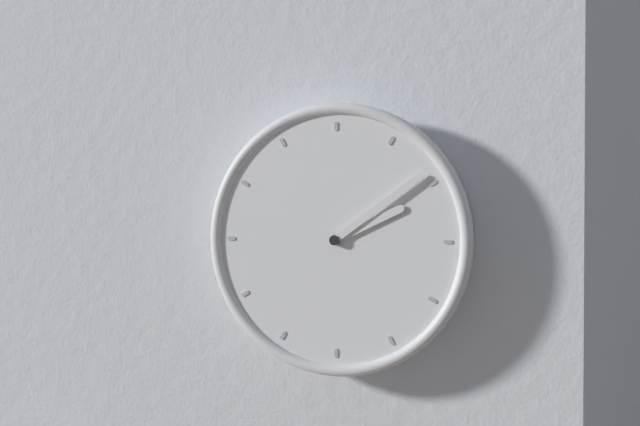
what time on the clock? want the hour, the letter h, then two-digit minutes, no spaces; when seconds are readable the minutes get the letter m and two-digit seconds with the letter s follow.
2h09
